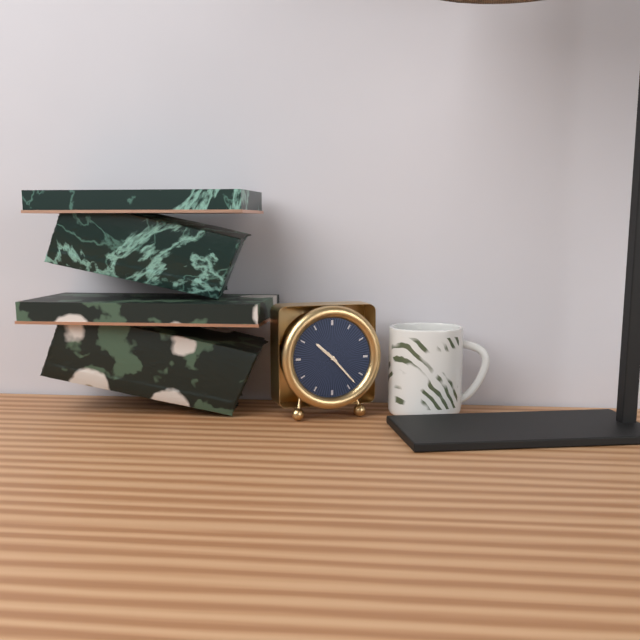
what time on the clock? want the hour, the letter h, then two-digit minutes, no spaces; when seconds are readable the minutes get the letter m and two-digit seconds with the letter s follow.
10h23
